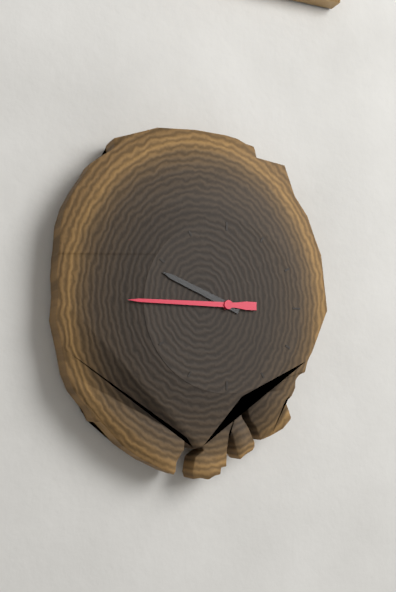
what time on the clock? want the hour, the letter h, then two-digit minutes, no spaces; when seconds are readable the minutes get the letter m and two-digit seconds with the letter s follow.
9h45
